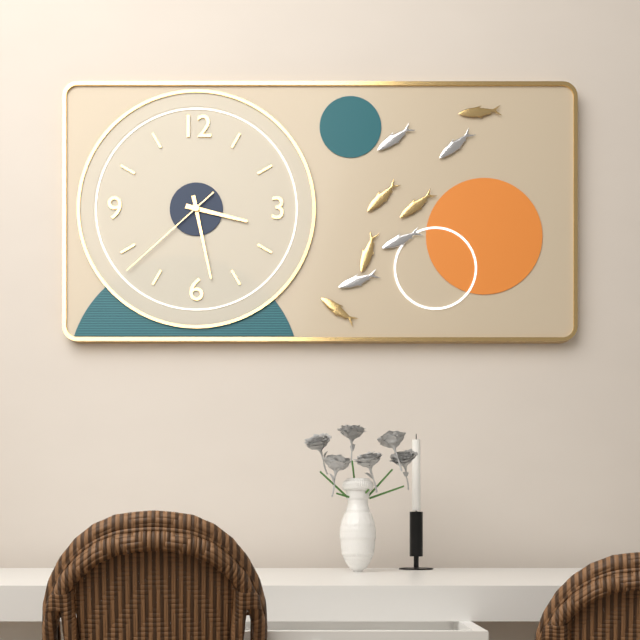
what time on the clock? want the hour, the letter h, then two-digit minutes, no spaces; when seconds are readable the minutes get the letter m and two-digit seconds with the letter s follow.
3h28m38s
